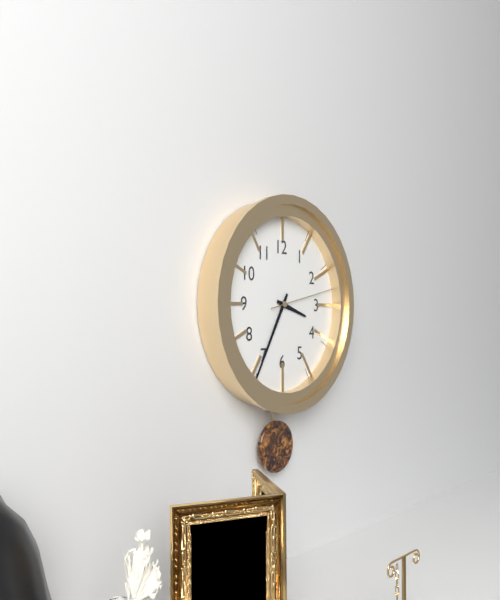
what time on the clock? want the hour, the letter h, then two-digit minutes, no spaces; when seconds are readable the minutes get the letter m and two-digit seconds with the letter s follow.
3h35m13s
